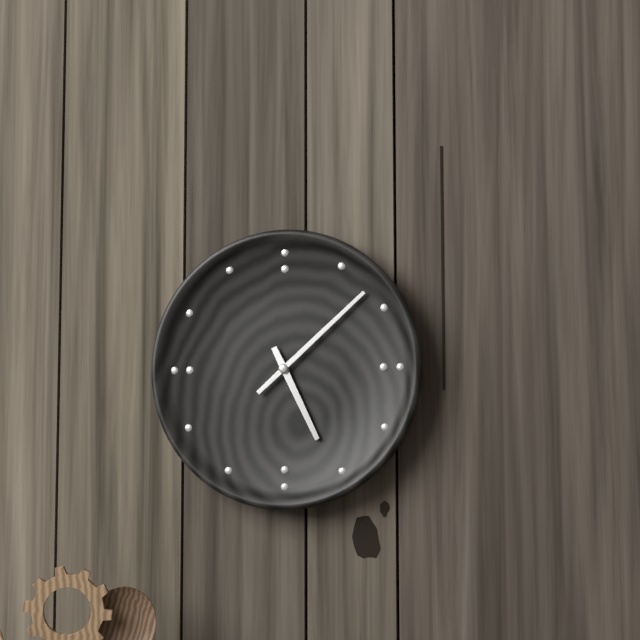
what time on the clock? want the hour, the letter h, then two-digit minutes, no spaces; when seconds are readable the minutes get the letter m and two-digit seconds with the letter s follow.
5h08
